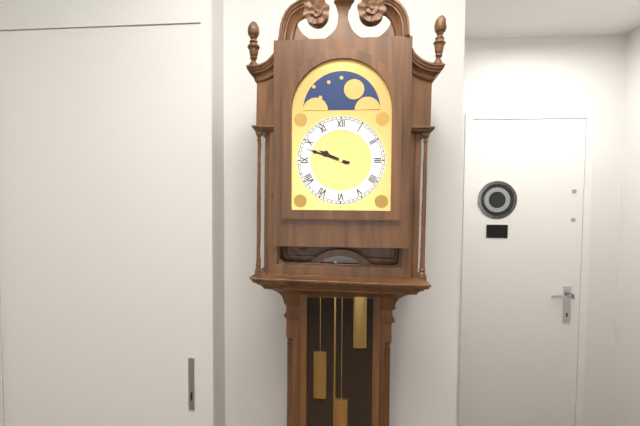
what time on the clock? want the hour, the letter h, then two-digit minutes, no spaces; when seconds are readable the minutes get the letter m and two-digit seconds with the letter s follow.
9h48
